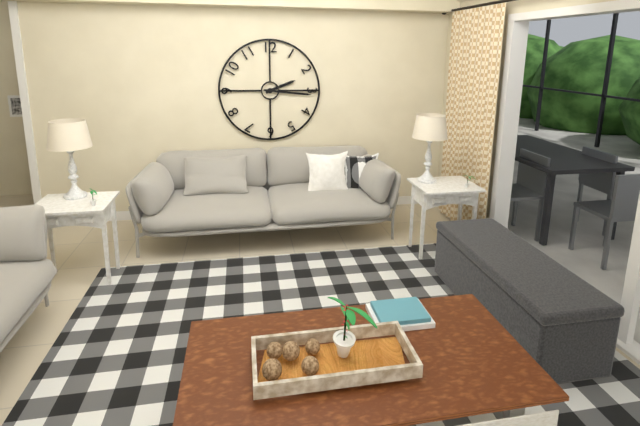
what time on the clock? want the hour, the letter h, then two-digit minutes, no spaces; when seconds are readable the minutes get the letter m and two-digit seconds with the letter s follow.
2h16
